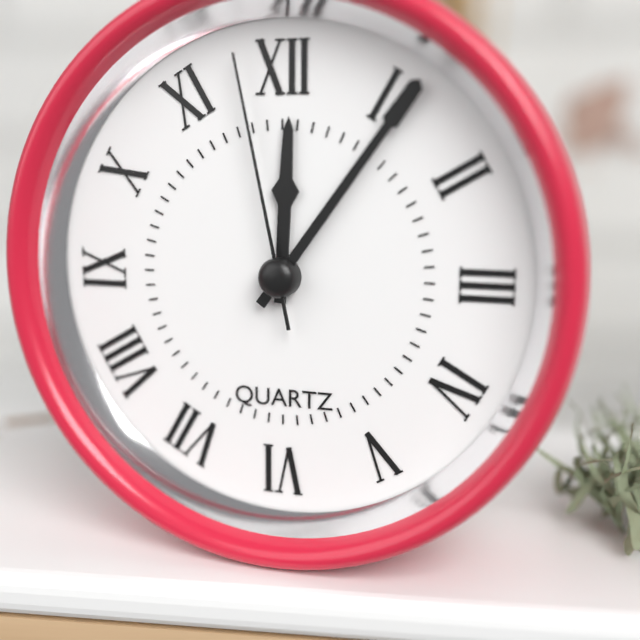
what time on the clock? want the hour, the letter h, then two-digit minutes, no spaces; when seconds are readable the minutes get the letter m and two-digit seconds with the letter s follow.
12h06m58s
